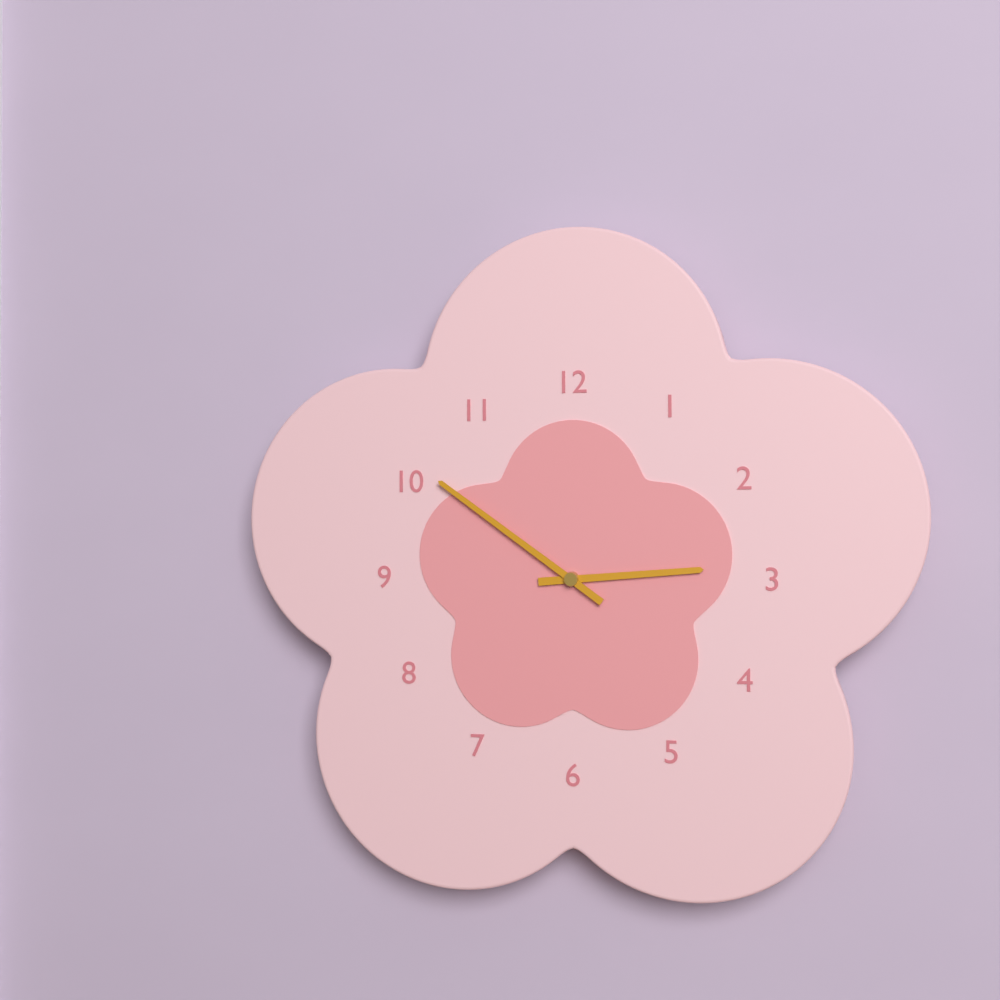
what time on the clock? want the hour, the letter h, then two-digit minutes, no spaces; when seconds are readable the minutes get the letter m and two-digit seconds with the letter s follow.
2h51
